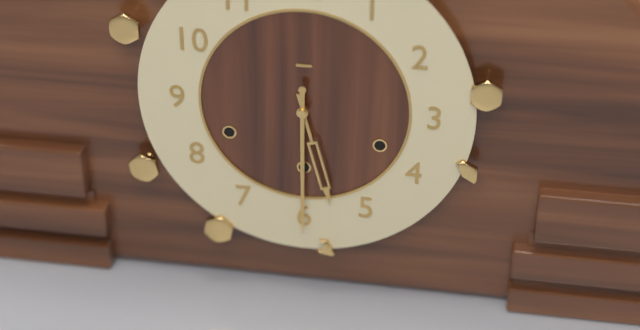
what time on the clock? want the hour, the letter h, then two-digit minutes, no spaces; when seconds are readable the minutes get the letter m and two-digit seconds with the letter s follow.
5h30
